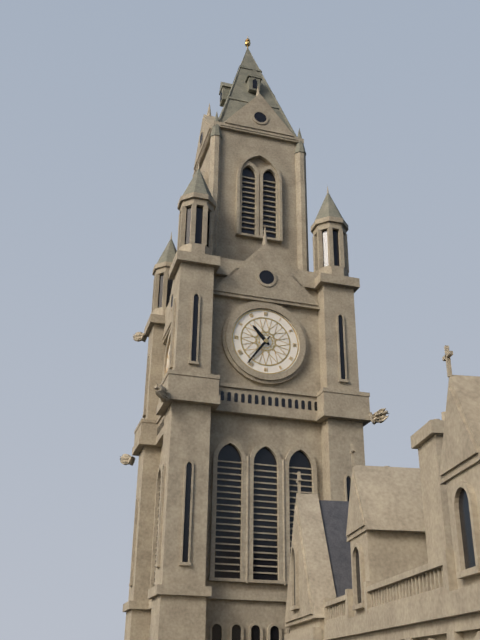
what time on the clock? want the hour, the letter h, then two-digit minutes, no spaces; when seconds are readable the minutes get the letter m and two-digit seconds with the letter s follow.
10h36
